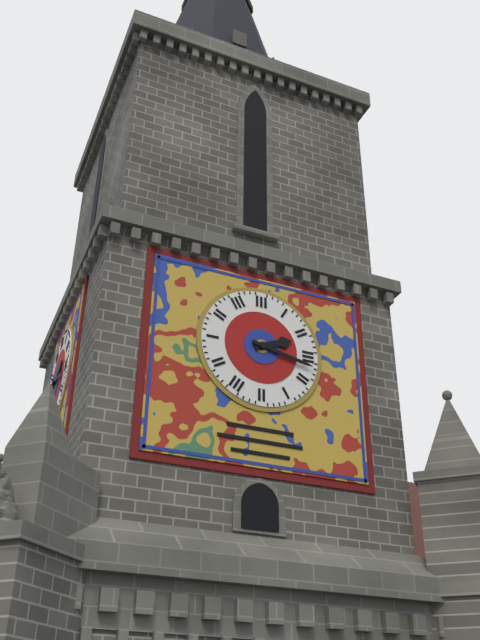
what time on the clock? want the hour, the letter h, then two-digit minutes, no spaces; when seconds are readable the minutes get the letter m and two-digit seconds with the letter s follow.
2h17
